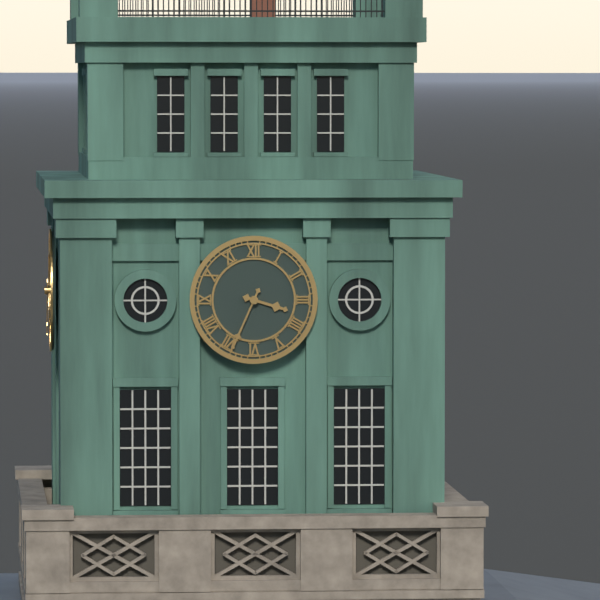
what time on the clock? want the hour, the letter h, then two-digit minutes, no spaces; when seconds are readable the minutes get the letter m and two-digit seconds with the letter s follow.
3h34
